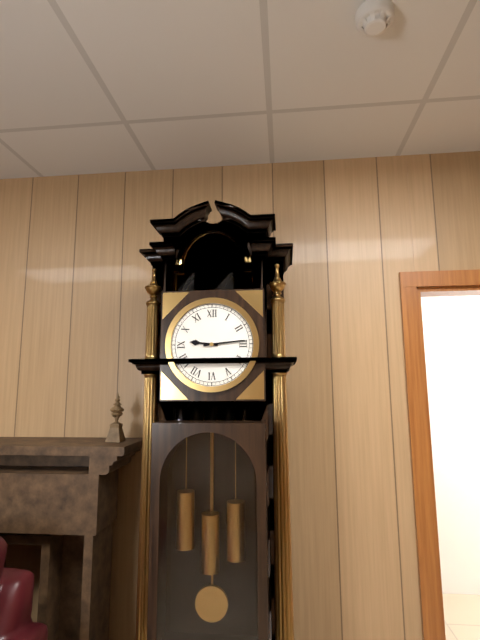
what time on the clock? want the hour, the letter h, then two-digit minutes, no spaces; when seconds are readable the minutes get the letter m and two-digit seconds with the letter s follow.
9h14
